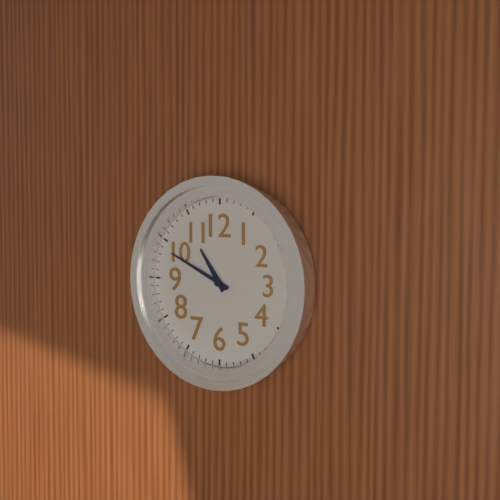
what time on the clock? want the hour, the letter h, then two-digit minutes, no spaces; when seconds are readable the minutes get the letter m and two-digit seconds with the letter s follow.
10h49
